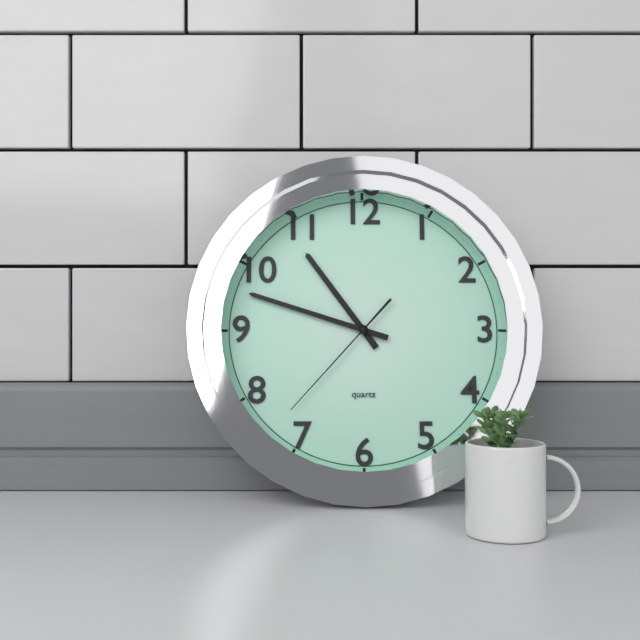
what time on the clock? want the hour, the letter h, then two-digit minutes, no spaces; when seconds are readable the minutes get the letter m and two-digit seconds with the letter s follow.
10h48m37s
